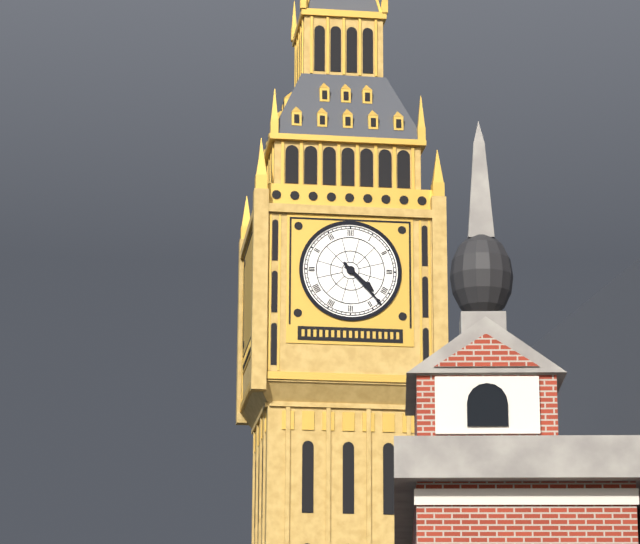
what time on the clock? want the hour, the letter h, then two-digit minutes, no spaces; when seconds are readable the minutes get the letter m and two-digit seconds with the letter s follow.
4h23
